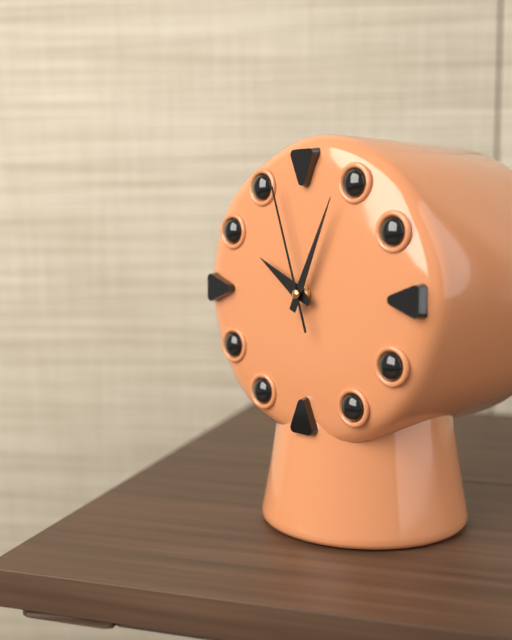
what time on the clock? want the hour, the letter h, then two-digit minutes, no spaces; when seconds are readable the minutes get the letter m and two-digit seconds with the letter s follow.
10h04m57s
